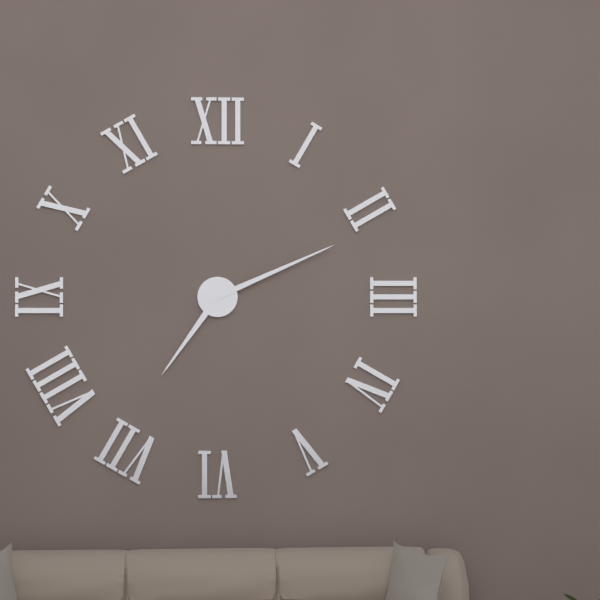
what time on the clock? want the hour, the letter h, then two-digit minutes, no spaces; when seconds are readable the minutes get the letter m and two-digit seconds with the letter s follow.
7h11
